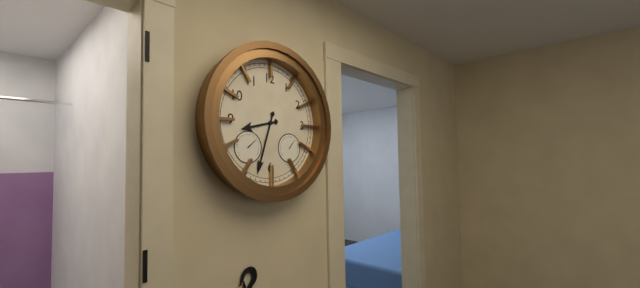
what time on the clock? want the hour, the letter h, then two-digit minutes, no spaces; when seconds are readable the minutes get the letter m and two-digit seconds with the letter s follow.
8h33
